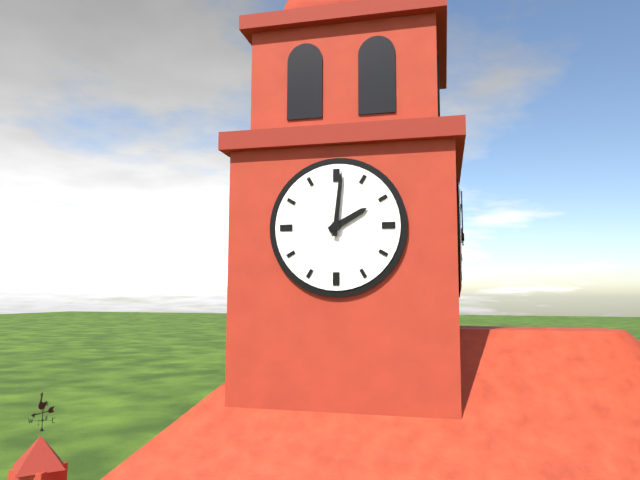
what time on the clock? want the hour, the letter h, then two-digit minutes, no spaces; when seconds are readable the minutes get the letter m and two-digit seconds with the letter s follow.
2h01
